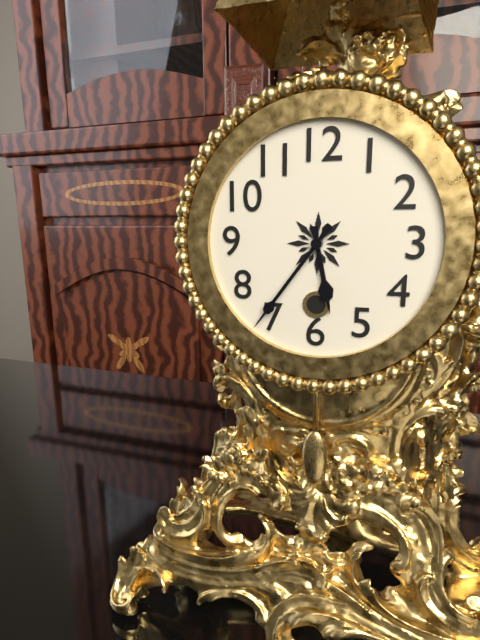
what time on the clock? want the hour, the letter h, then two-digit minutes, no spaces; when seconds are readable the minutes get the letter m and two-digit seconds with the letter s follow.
5h36
